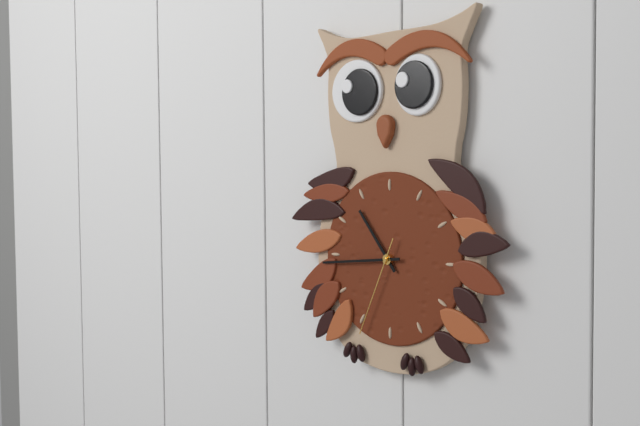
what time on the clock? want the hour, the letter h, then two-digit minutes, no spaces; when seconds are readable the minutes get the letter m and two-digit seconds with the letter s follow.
10h44m34s
